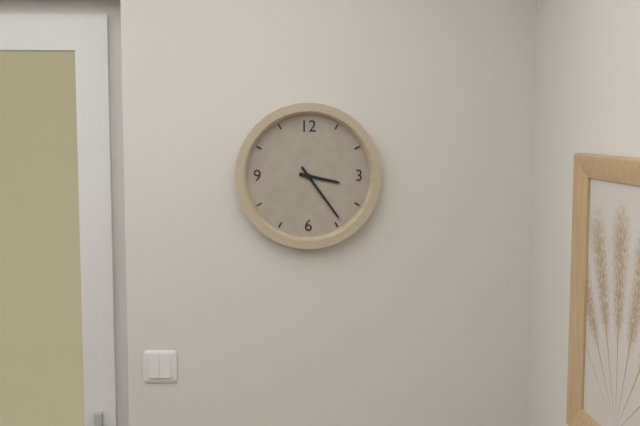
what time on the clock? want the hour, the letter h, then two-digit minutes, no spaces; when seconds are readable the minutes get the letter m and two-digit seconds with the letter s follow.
3h24
